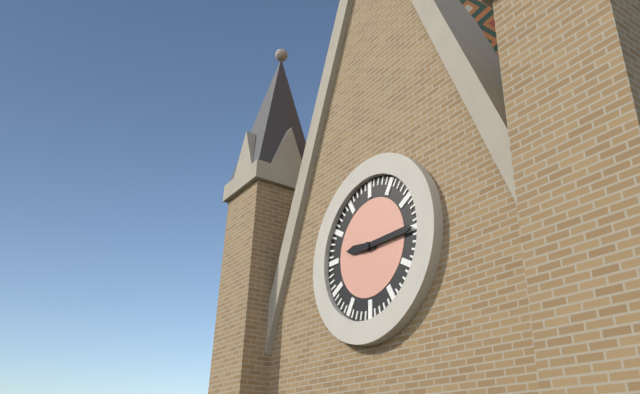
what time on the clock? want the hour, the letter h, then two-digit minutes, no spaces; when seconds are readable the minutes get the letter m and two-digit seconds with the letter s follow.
9h15
